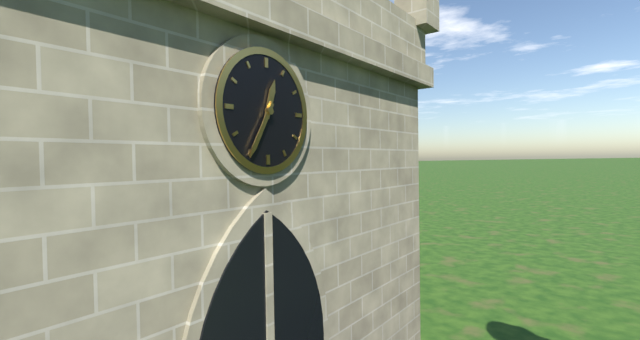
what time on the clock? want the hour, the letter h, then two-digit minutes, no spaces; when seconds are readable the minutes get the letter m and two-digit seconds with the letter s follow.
12h35
